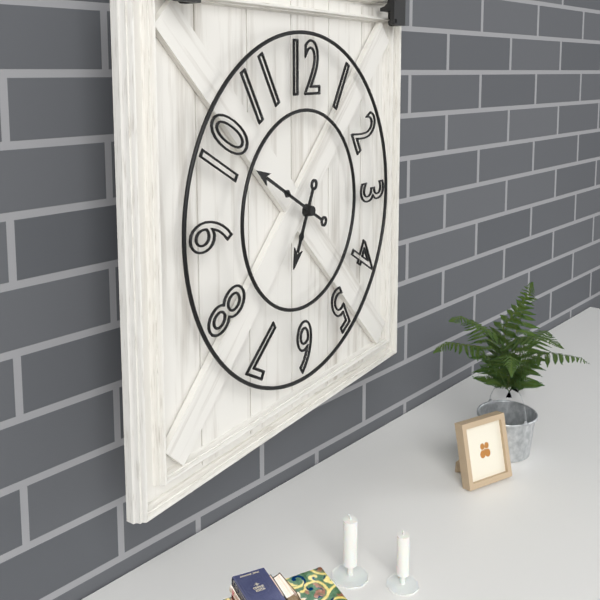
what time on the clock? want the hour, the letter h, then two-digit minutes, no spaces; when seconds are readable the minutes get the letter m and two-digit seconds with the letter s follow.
6h50
